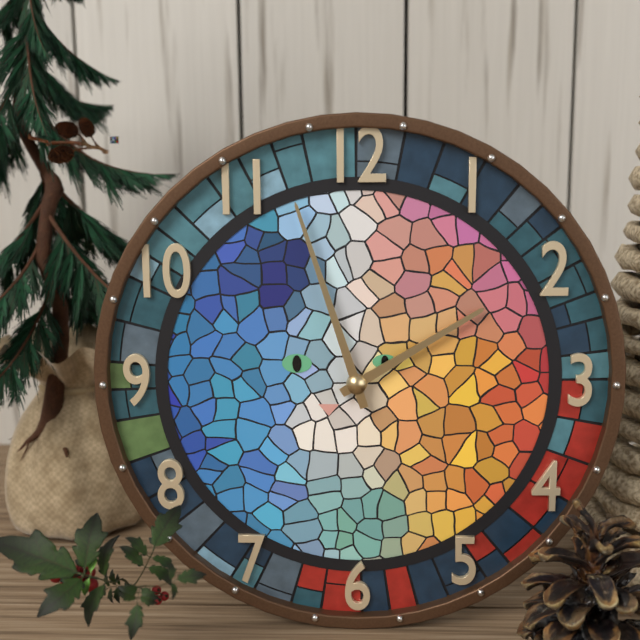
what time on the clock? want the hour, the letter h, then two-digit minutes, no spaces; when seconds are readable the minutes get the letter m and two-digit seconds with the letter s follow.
1h57
